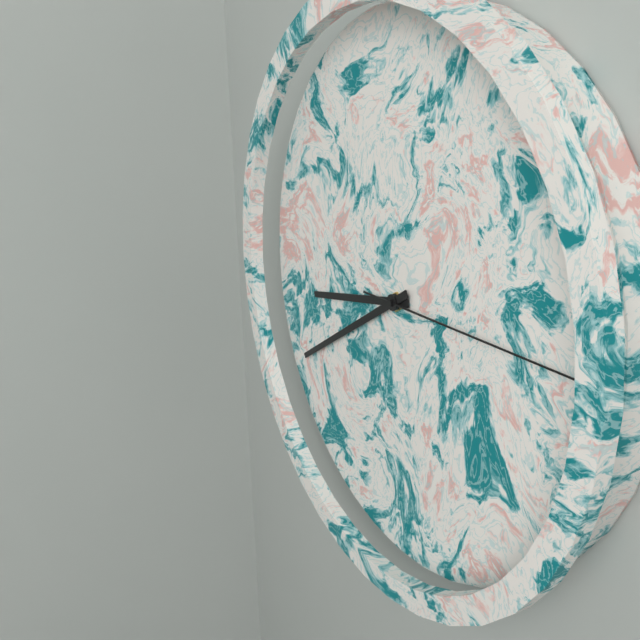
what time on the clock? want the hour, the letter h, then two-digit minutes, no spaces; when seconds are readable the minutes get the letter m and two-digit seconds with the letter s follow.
8h40m15s
